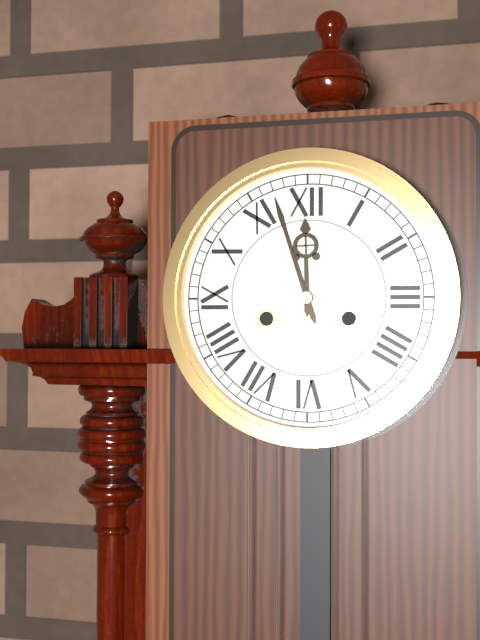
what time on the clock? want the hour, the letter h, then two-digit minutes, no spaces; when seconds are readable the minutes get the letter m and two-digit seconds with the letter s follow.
11h57
